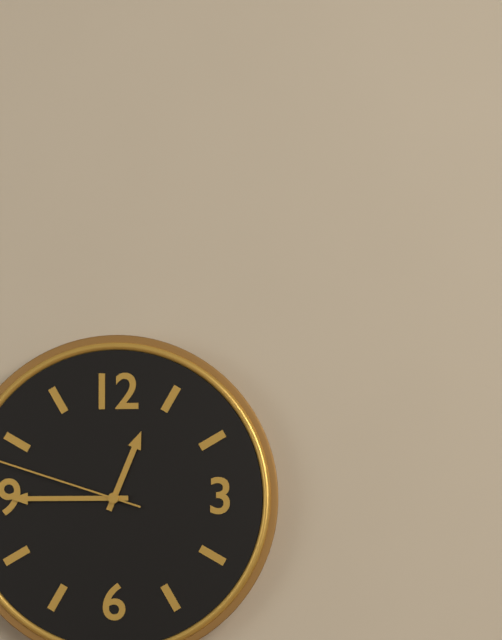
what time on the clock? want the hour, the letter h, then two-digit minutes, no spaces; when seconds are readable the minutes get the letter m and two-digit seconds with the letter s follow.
12h45
